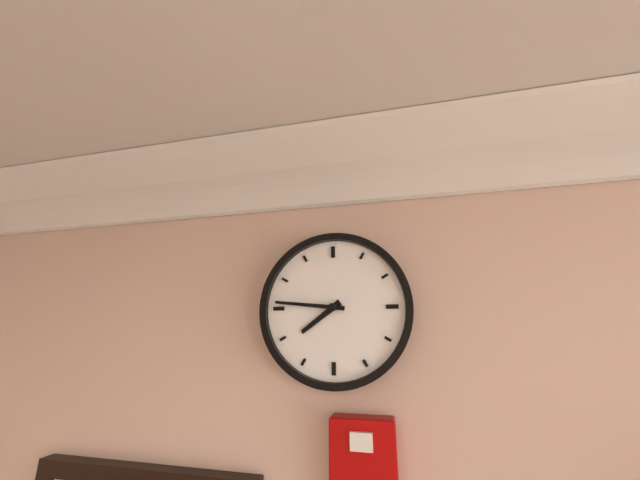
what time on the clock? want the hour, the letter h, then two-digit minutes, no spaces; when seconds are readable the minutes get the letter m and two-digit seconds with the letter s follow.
7h46
